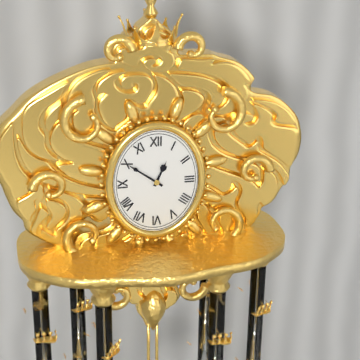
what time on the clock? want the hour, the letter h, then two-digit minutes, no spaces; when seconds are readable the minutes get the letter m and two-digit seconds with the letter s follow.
12h51
